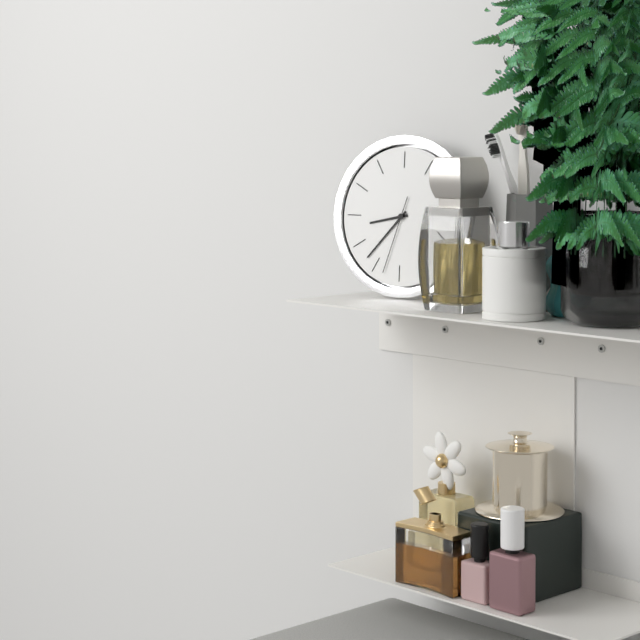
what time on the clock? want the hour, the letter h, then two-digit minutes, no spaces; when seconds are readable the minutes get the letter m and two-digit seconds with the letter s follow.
8h37m33s
